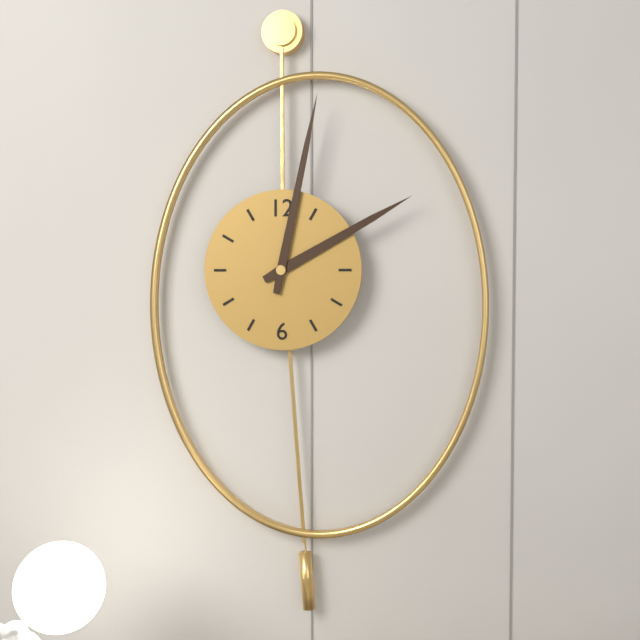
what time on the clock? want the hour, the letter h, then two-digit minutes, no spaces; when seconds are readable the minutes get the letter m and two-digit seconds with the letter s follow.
2h02
